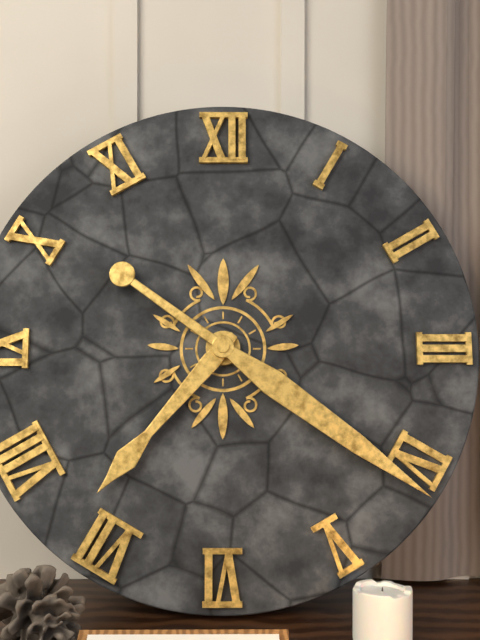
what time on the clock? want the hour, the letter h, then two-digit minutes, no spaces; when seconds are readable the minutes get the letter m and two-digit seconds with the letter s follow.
7h21
